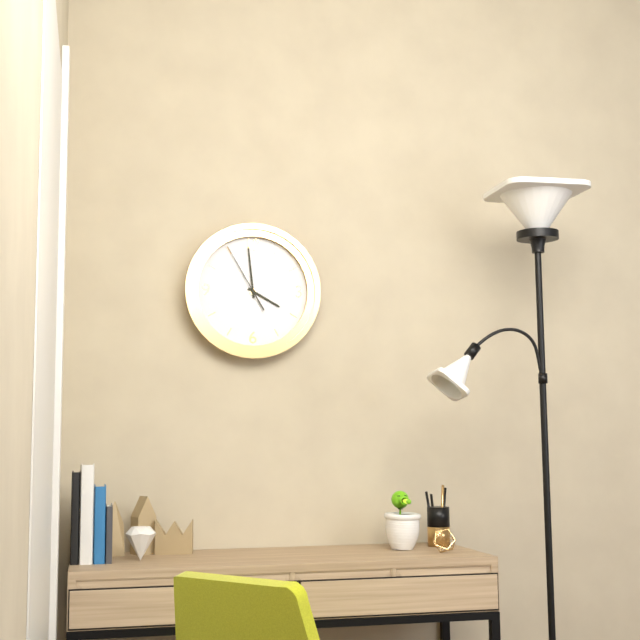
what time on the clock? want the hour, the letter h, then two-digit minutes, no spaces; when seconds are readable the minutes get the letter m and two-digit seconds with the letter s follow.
3h59m55s
